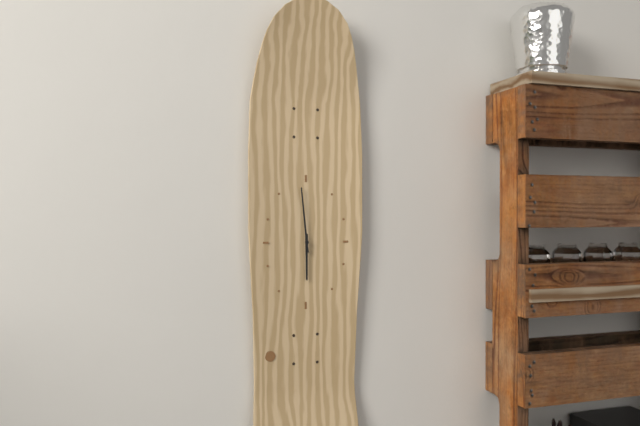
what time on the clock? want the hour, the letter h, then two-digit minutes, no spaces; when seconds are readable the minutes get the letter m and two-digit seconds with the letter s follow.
5h59
